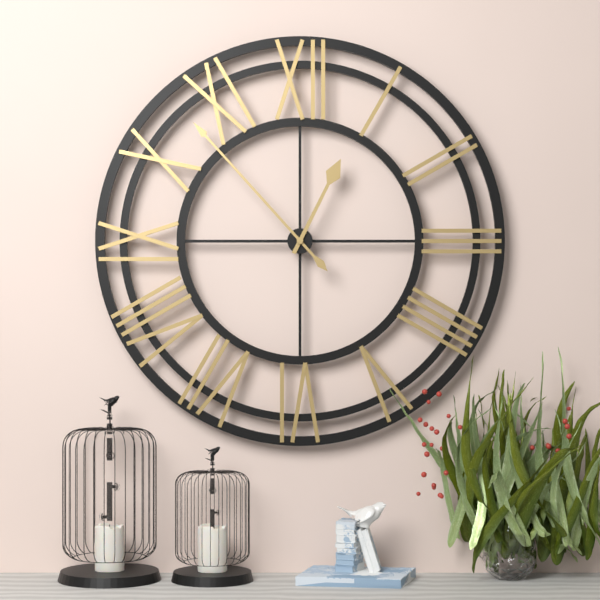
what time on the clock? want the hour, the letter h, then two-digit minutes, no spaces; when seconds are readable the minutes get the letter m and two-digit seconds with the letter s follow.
12h53
